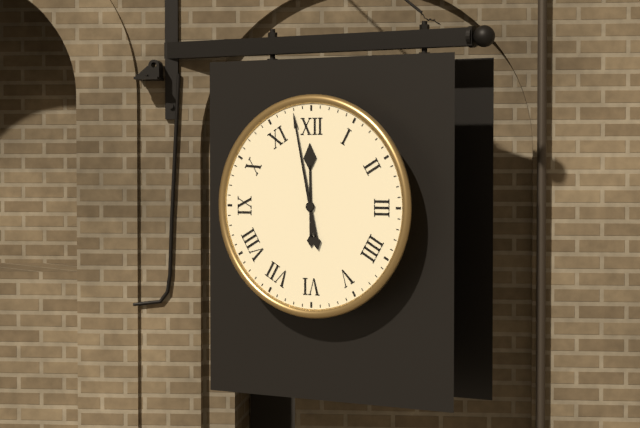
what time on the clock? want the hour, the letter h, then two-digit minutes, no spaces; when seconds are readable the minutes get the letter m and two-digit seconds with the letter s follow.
11h58
